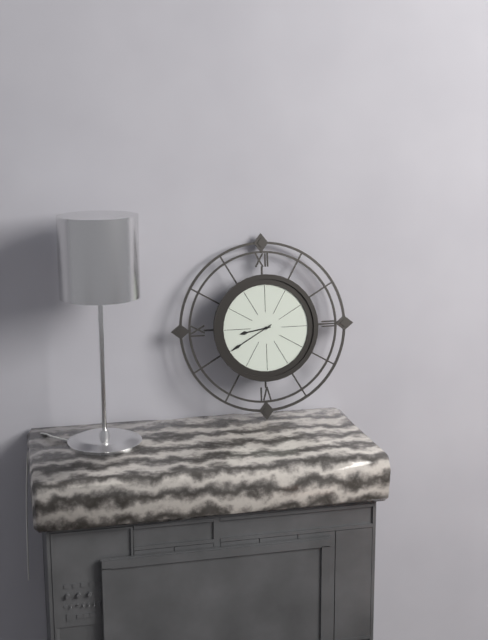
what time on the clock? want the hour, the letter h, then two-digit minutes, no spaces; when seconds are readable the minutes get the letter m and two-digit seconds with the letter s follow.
8h40
